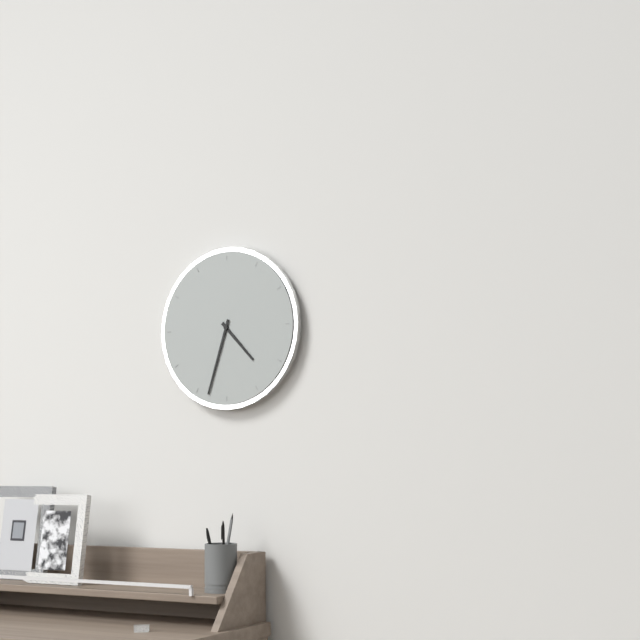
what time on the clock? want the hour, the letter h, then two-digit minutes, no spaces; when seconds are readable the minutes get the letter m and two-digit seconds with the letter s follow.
4h33
